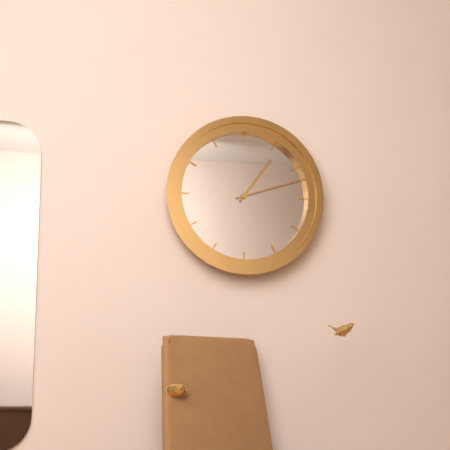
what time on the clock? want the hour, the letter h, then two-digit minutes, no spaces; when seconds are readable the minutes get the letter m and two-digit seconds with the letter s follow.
1h12
